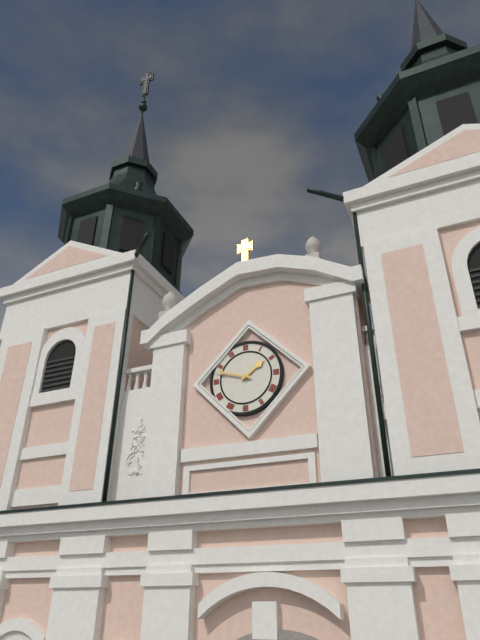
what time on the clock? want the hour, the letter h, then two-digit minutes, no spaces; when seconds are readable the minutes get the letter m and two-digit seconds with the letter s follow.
1h48
